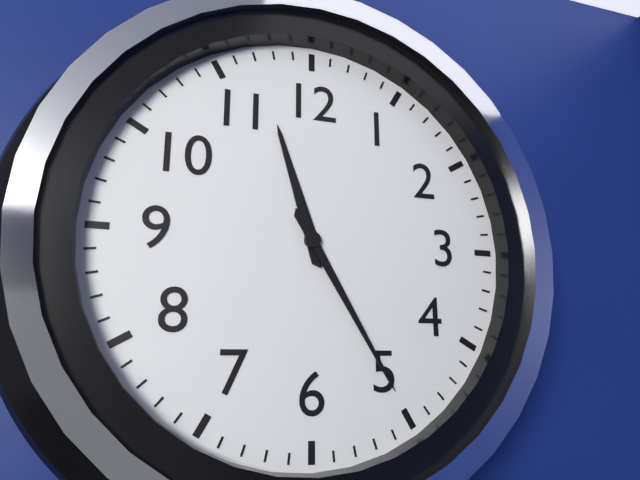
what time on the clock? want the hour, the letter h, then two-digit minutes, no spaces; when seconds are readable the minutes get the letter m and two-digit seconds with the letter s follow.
11h25
